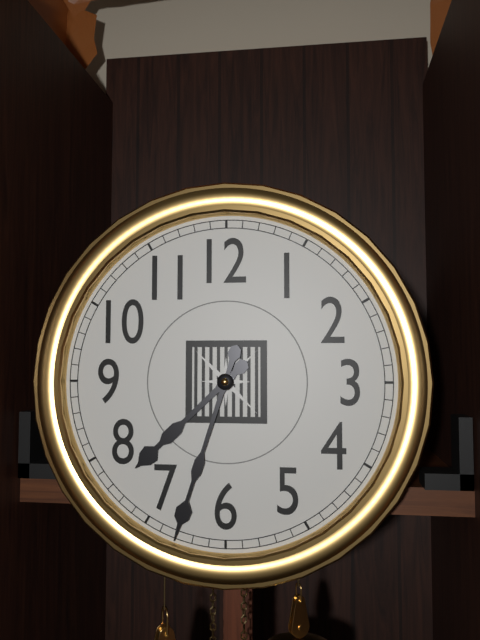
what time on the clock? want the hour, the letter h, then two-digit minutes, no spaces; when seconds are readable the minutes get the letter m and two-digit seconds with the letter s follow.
7h33
